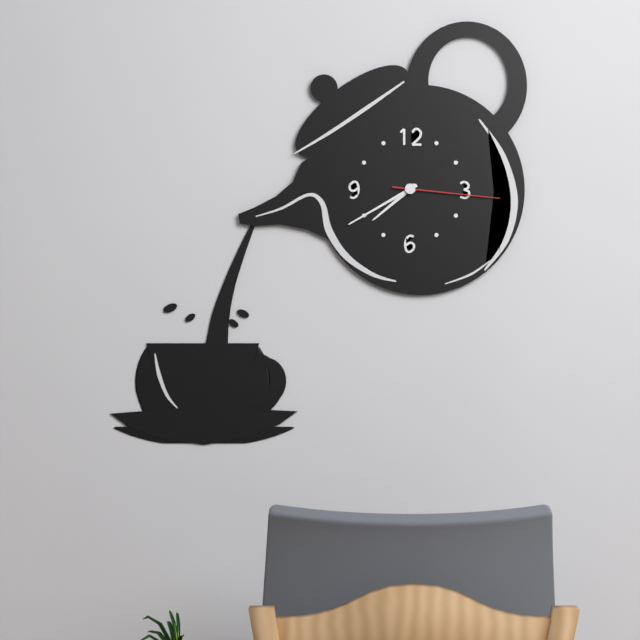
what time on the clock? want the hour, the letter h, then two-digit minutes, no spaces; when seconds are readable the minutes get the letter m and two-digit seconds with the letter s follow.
7h40m16s
